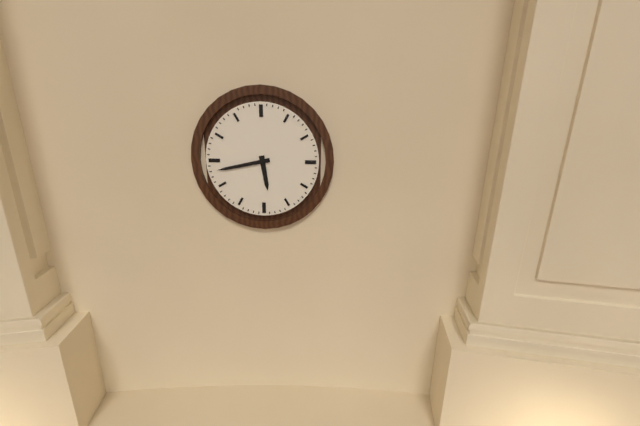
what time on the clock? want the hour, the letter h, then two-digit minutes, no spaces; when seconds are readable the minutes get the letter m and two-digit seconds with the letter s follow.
5h43
